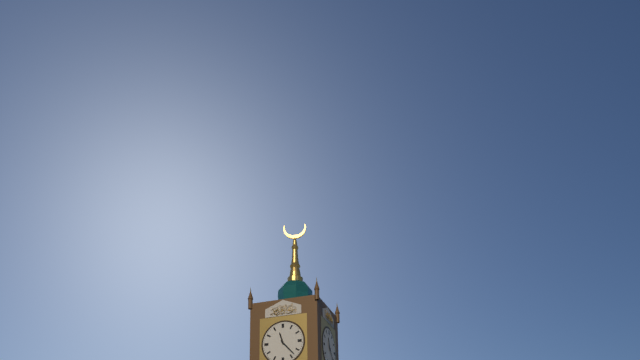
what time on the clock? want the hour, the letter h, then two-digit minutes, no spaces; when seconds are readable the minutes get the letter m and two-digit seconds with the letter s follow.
11h23
